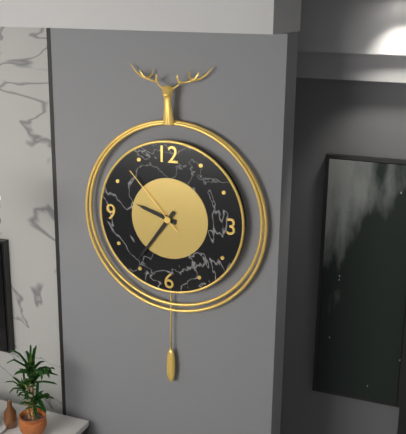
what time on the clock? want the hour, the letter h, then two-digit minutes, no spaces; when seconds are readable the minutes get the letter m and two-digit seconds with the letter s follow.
9h36m53s
